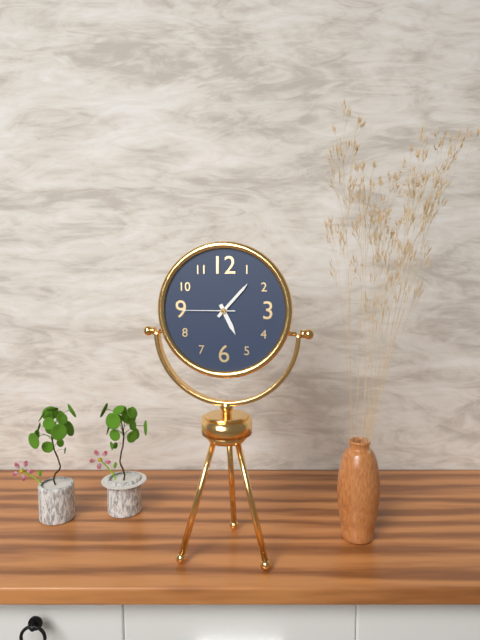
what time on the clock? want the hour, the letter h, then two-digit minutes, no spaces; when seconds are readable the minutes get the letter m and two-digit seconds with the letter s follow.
5h07m45s
